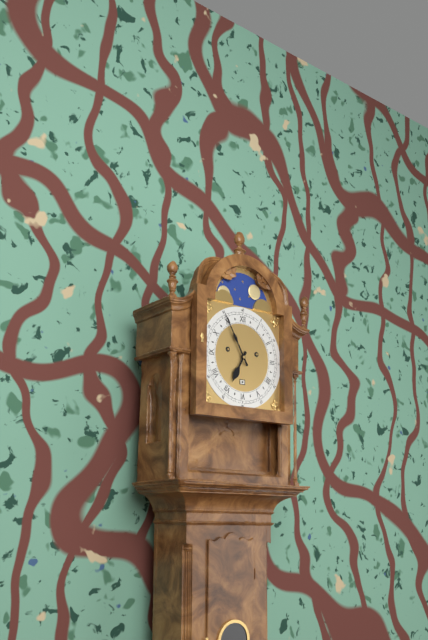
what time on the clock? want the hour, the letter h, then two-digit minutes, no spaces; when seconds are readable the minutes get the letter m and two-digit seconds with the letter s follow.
6h55
